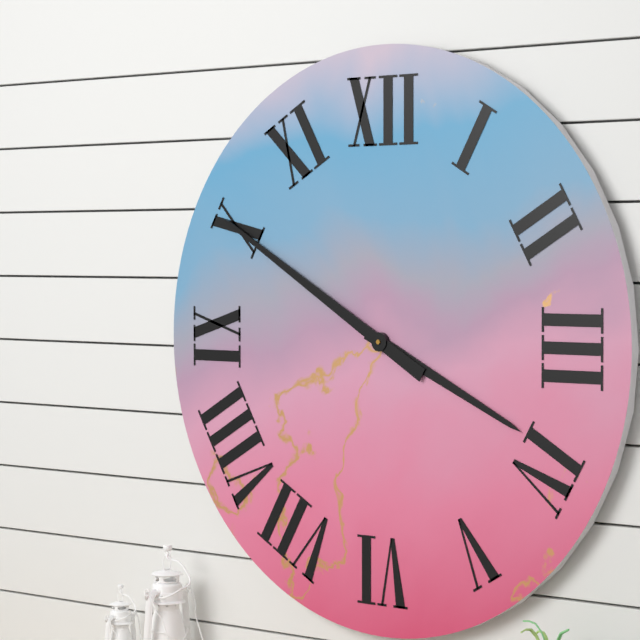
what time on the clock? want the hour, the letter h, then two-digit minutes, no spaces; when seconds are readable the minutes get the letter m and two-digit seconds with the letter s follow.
3h50
